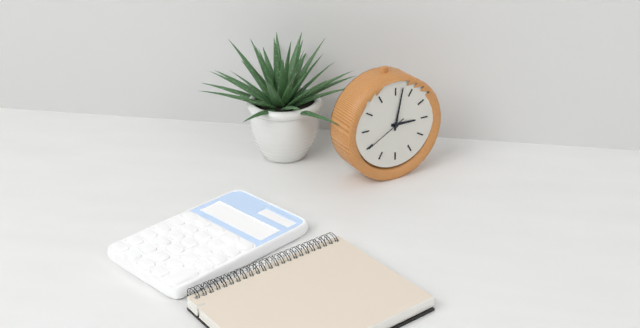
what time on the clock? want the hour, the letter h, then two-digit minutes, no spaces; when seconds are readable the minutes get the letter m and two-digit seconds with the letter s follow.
3h02
